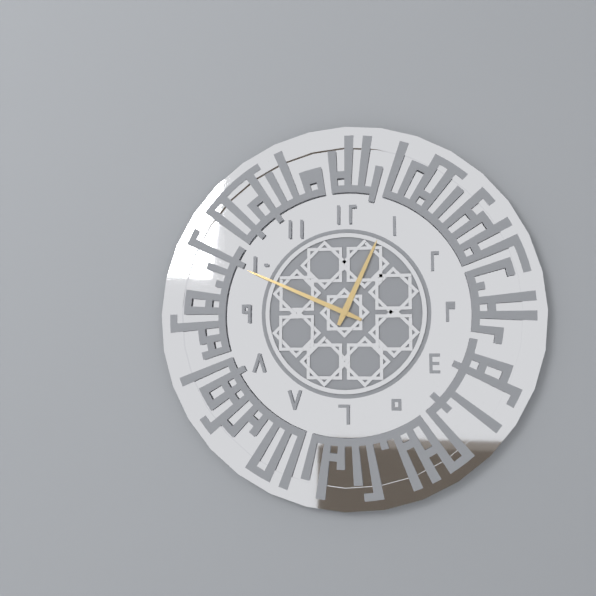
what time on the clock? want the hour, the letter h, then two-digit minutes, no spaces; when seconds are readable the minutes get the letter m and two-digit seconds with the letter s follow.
12h49
